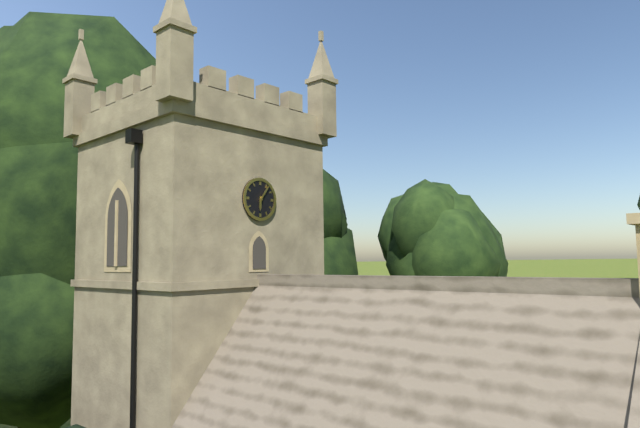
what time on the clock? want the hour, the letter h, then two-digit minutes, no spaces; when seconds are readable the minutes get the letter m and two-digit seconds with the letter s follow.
6h06
